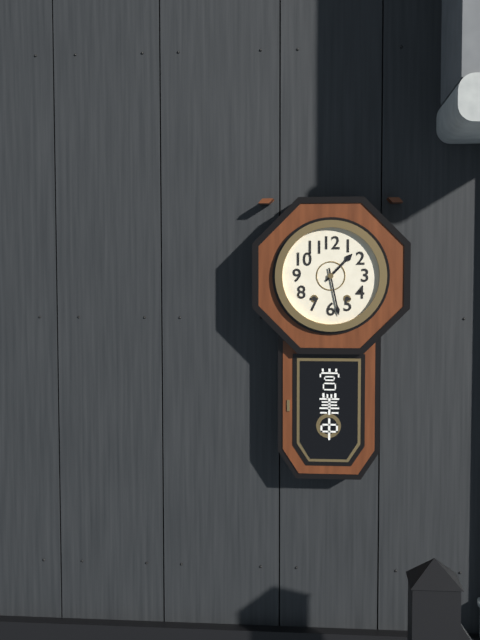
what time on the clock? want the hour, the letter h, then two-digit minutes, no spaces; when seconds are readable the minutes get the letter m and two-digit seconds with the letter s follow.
1h28
